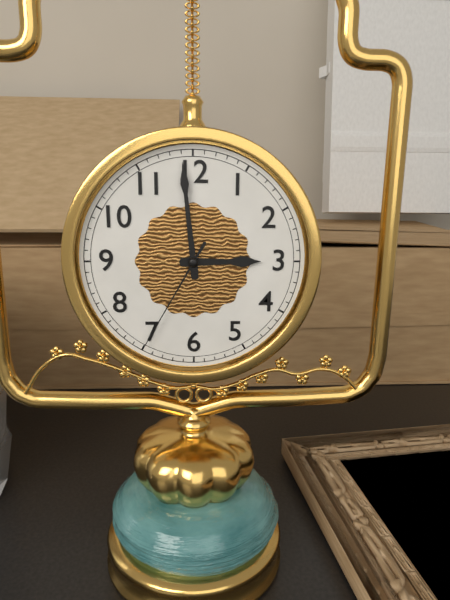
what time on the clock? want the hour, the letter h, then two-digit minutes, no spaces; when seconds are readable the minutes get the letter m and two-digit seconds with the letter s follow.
2h59m35s
